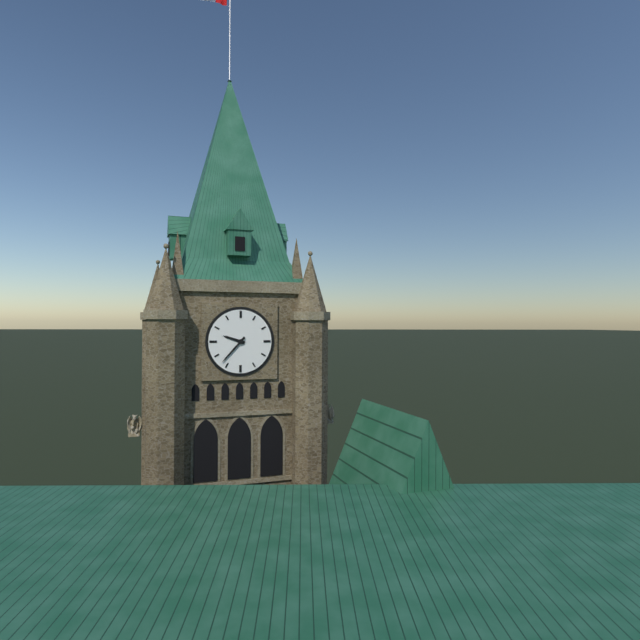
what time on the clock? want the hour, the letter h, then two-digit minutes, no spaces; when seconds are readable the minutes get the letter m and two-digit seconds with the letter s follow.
9h37
